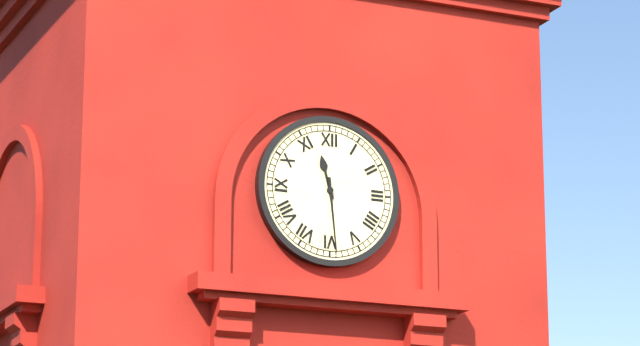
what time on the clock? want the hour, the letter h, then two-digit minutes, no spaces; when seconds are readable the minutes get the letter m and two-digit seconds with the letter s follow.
11h29
